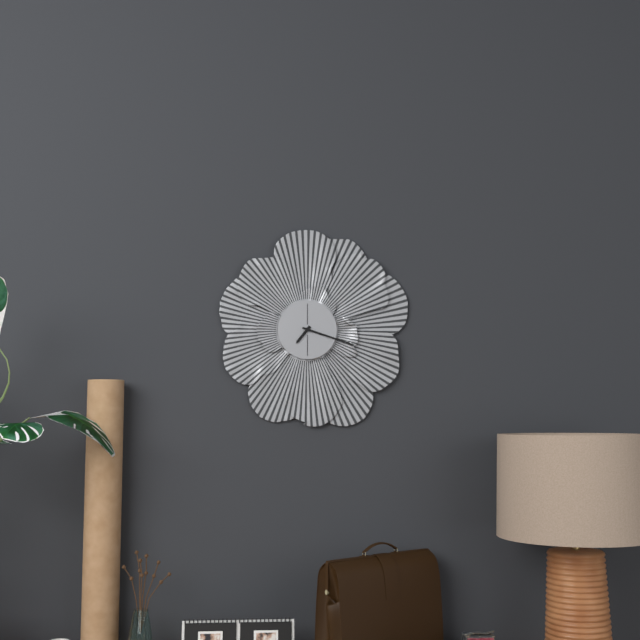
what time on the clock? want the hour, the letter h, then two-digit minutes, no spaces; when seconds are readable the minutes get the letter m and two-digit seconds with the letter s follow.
7h18
